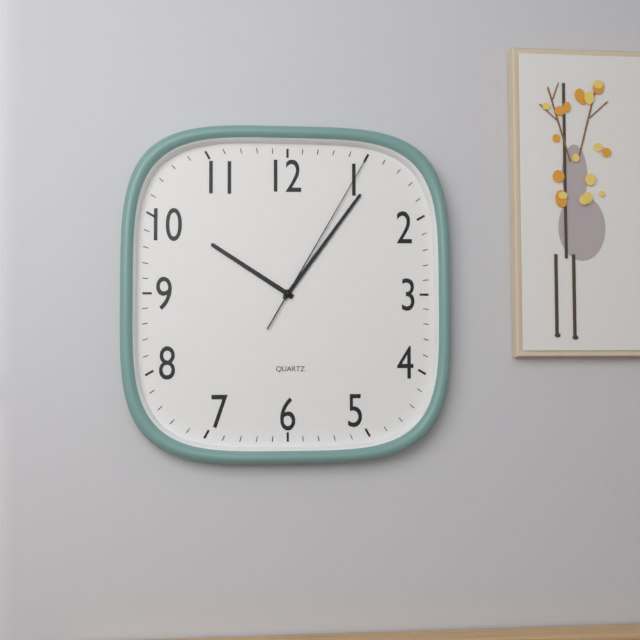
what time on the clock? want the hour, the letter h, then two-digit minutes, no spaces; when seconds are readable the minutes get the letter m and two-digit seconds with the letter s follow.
10h06m05s
